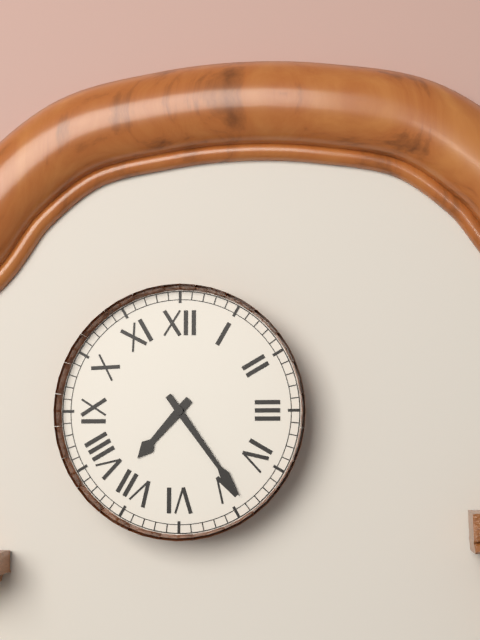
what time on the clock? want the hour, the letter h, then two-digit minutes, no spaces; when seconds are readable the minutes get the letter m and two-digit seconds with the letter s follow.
7h24
